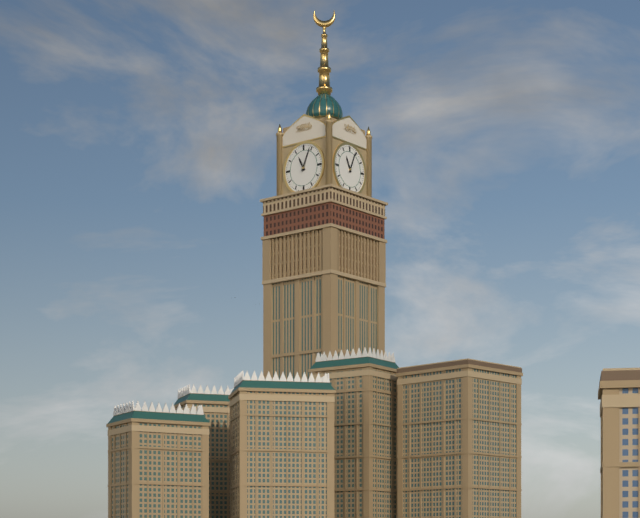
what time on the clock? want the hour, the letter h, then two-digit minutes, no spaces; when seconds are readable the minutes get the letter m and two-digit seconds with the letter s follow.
11h04
